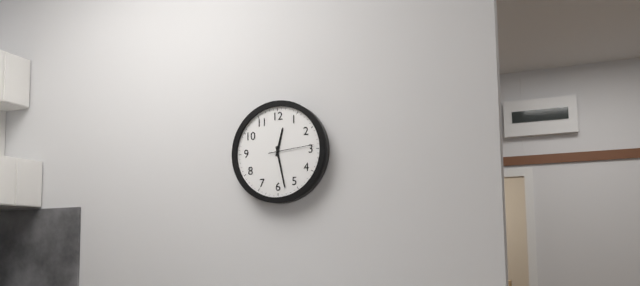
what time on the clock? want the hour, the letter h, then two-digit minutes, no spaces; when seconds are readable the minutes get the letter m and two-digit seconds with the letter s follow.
12h28
